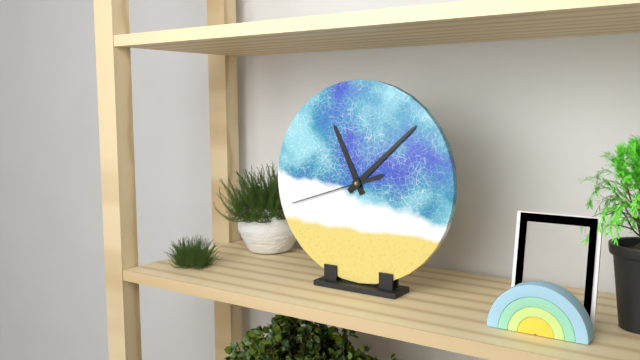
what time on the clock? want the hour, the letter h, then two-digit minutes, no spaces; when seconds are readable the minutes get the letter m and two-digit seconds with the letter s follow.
11h08m42s
